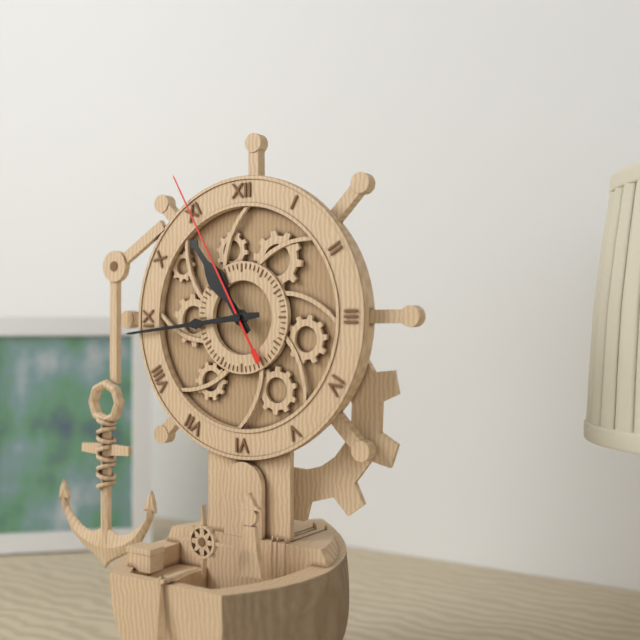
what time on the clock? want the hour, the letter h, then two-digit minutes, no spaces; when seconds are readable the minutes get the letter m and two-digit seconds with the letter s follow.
10h44m55s
